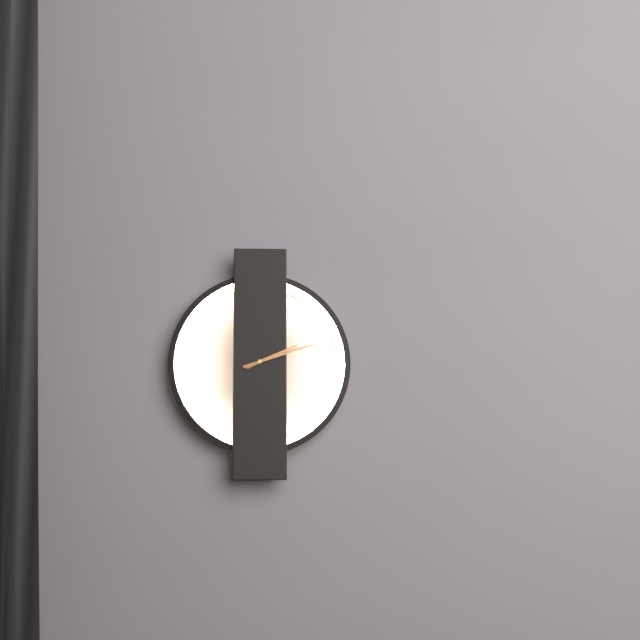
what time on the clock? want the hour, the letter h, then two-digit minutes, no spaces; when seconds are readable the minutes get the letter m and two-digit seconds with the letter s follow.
2h12
